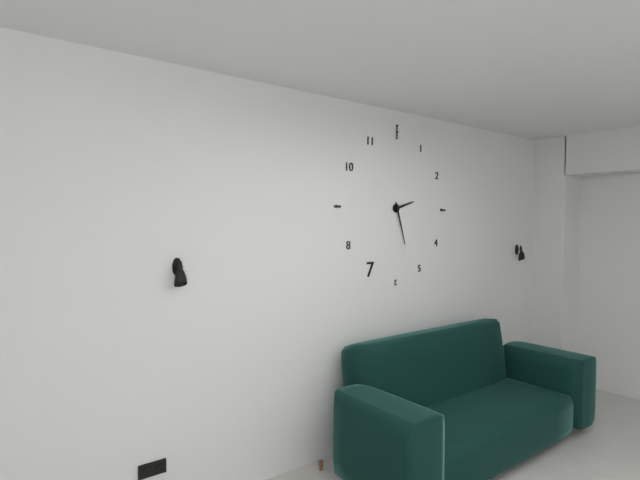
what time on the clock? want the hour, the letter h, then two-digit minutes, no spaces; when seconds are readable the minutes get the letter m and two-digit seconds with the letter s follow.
2h27
